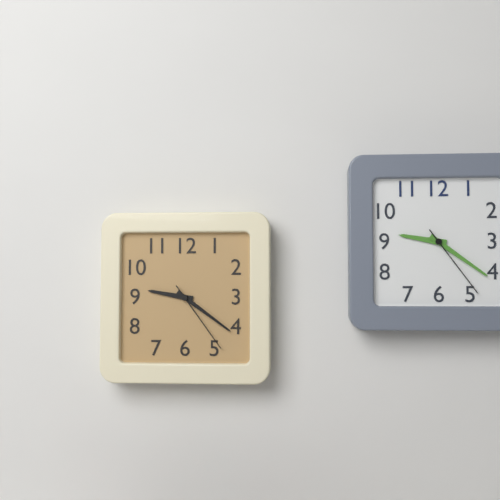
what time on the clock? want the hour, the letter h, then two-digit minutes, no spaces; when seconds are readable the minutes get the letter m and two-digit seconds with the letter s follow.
9h21m24s
